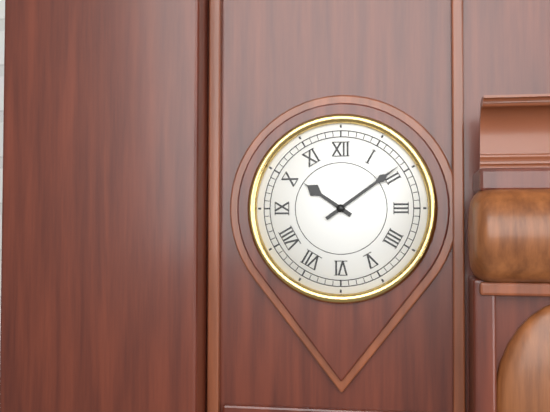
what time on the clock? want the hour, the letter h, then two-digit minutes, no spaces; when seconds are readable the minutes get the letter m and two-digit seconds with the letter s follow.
10h09
